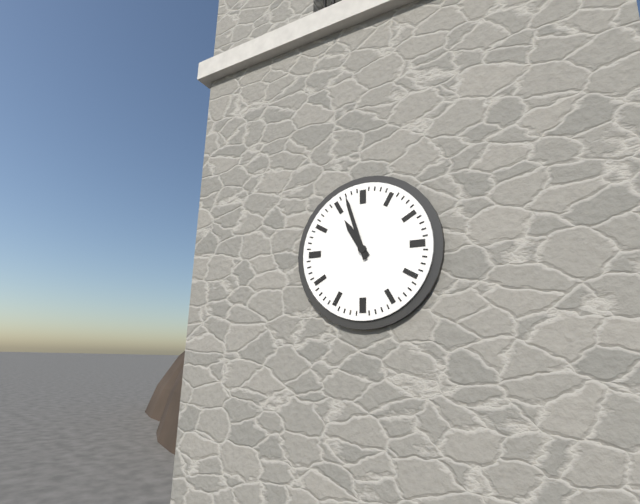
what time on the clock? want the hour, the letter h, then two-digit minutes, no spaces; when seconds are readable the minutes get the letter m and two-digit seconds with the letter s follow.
10h57
